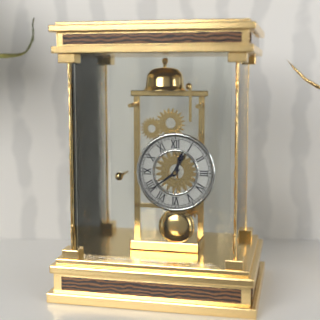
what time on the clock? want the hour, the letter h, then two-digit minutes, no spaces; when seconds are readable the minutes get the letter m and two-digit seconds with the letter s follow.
12h39
